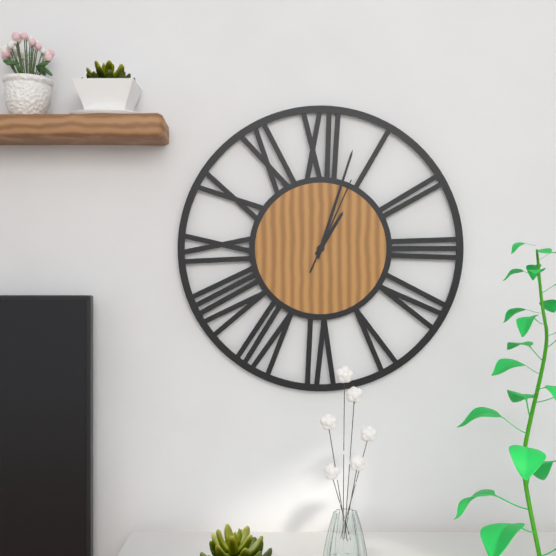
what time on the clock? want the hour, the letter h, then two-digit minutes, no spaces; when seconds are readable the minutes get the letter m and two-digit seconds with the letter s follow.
1h03m04s
